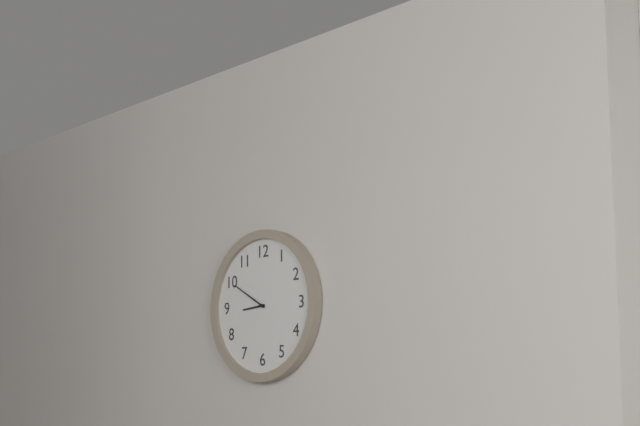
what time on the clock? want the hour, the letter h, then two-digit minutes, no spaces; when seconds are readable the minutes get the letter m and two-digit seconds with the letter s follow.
8h50
